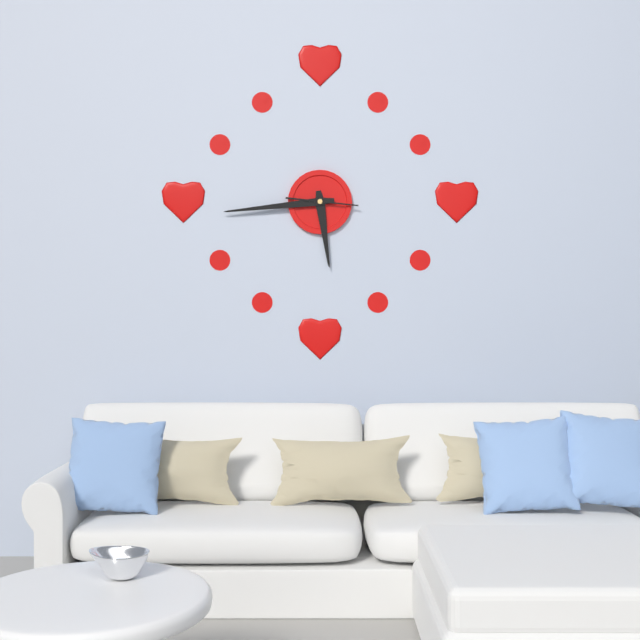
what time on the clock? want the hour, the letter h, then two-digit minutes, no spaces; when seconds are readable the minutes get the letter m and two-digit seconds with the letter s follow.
5h44
